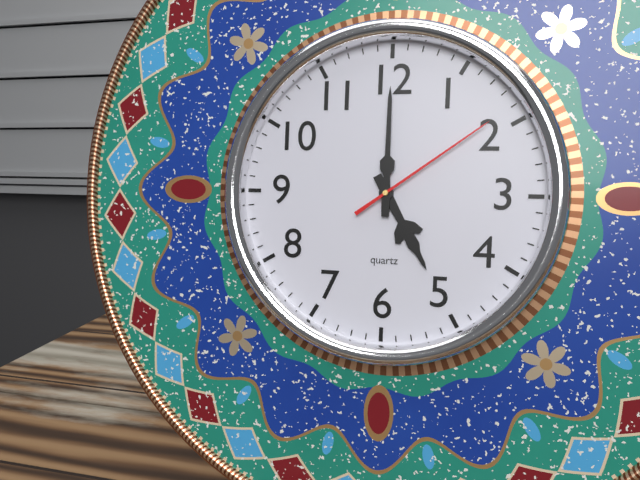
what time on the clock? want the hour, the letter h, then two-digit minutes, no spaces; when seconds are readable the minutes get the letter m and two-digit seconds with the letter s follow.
5h00m09s
